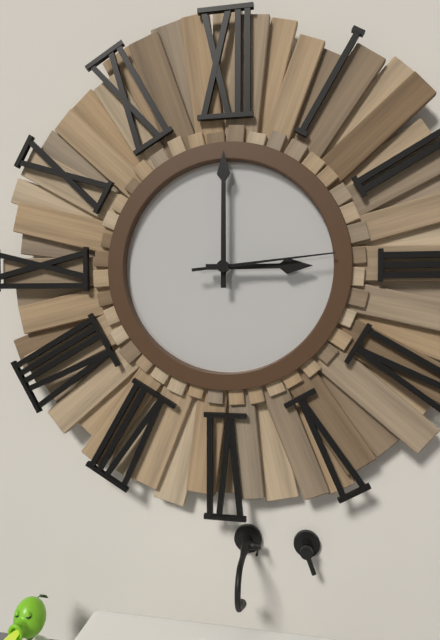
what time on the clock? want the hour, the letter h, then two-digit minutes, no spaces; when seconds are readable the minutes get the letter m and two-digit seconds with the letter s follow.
3h00m14s
